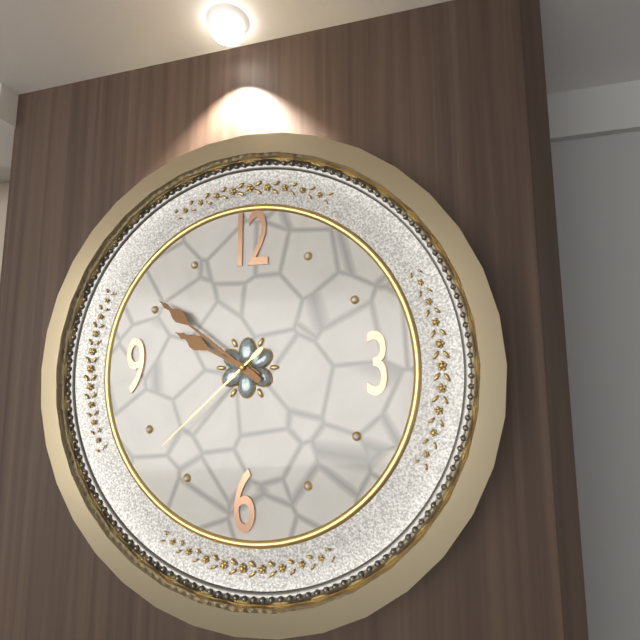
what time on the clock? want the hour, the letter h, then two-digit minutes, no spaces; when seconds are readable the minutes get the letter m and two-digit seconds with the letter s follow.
9h51m38s
